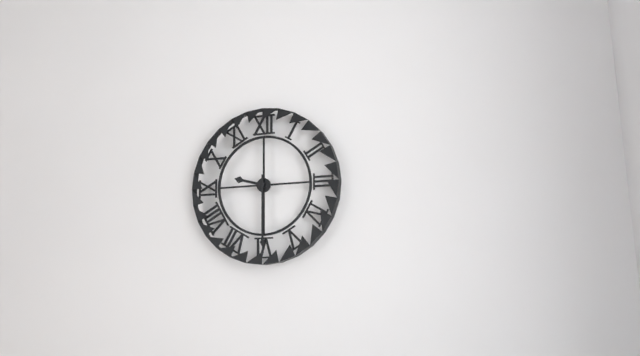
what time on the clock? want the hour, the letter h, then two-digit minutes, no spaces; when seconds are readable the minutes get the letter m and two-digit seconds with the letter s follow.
9h30
